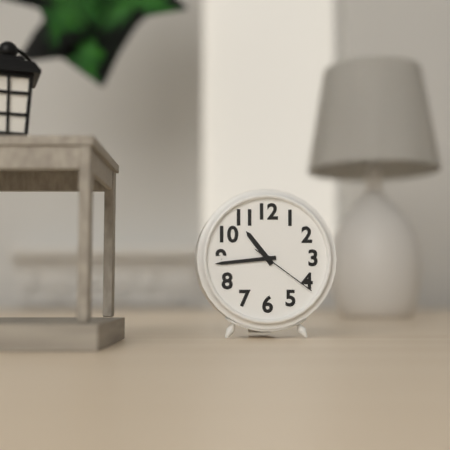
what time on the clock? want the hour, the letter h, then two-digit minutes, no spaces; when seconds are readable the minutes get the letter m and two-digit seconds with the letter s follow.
10h44m21s
